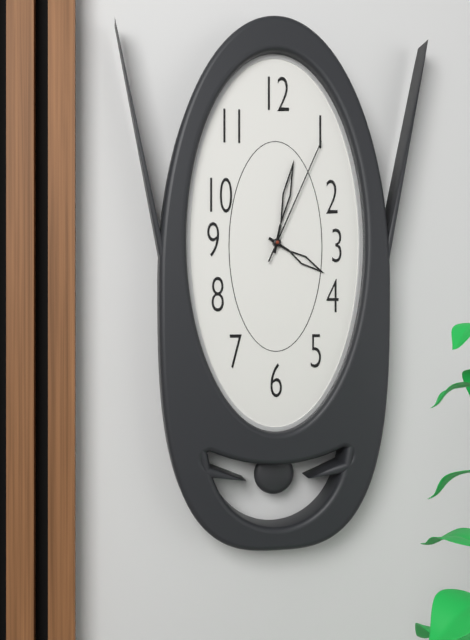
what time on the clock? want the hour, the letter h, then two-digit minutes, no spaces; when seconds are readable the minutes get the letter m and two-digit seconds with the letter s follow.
4h02m04s
